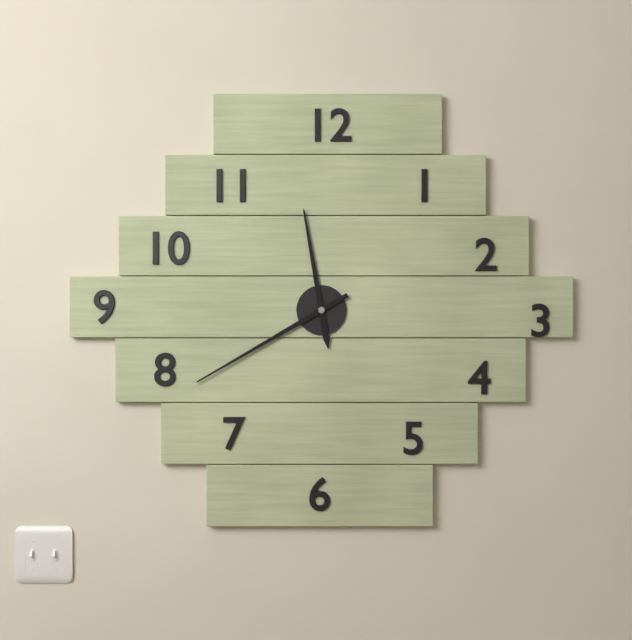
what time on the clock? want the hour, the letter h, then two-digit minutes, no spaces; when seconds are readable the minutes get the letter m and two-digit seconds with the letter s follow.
11h40
